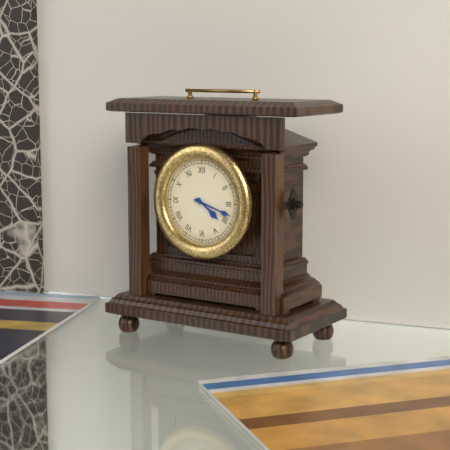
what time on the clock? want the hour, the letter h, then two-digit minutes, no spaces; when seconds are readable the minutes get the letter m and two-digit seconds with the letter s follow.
4h18
